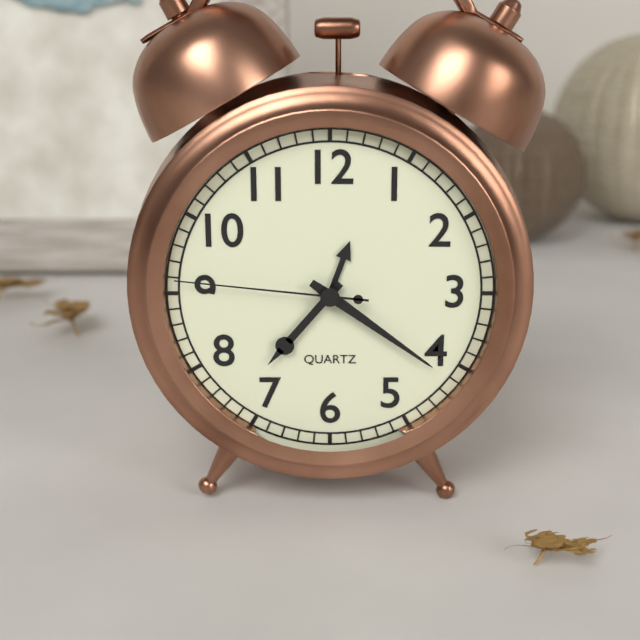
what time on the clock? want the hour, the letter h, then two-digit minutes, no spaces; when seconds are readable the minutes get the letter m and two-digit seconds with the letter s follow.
7h21m46s
